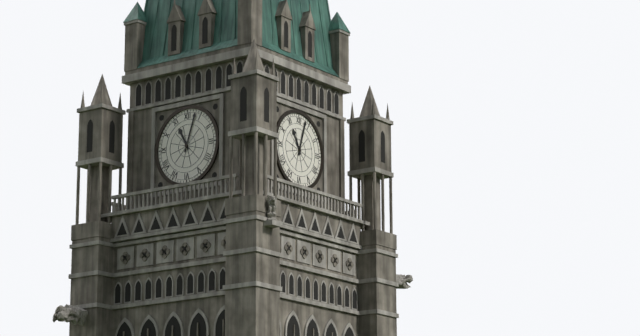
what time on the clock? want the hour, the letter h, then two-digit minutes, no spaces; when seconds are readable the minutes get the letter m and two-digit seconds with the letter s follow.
11h03
